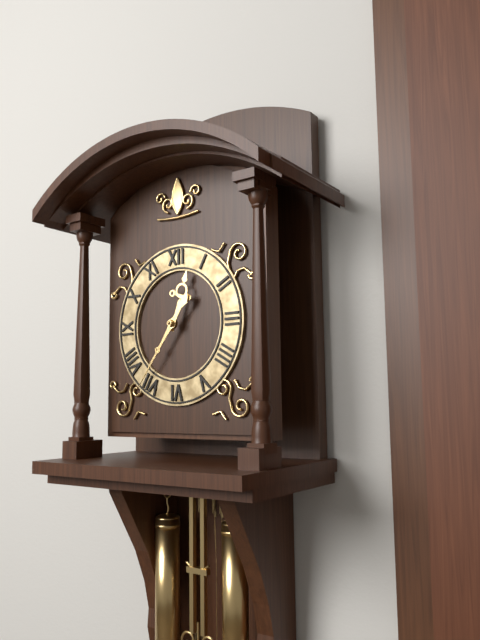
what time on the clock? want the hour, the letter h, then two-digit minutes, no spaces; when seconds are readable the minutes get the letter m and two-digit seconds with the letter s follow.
12h36
